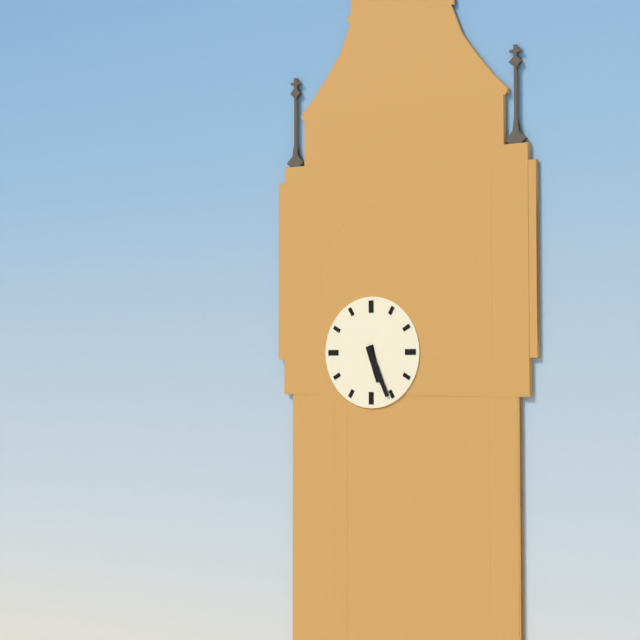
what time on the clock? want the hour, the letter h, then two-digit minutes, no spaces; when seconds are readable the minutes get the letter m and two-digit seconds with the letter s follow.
5h26
